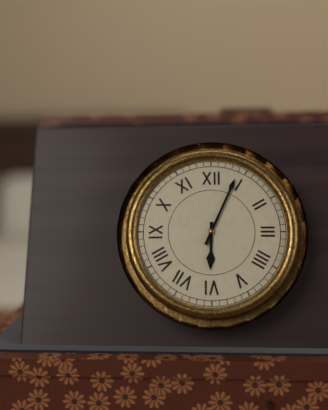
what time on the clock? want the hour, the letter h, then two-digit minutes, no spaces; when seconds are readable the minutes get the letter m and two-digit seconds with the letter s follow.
6h04
